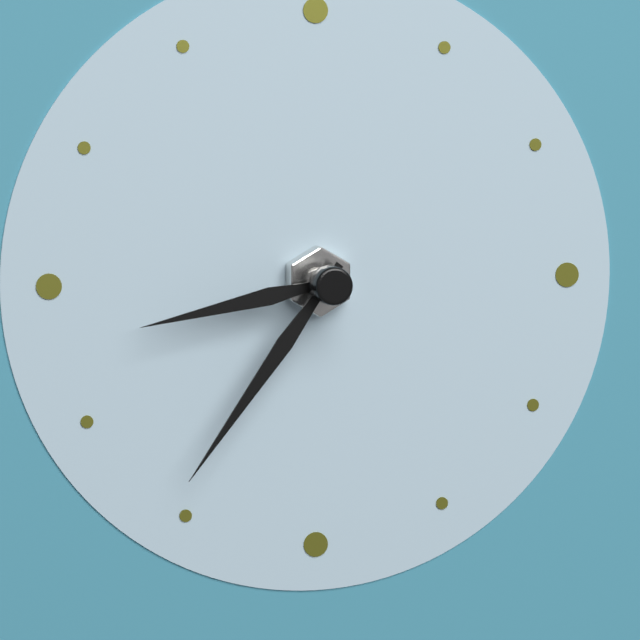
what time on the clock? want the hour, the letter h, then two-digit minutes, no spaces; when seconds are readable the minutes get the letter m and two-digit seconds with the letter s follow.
8h36
